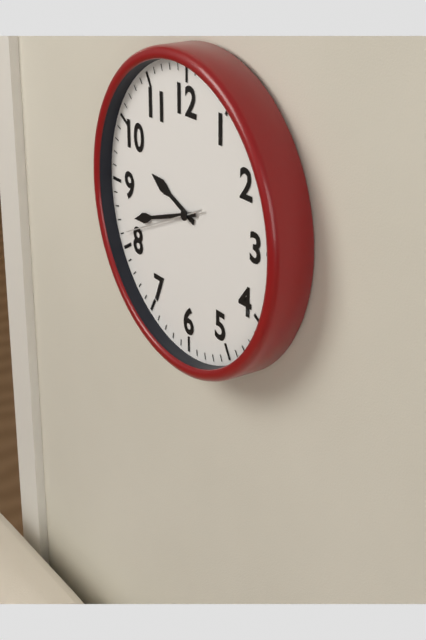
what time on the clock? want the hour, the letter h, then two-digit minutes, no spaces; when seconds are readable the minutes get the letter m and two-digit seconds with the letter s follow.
9h42m41s
